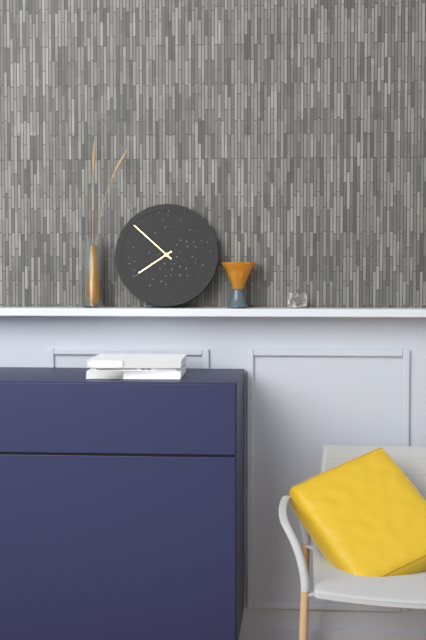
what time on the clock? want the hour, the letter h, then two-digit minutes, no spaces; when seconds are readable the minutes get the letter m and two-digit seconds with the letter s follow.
7h52
